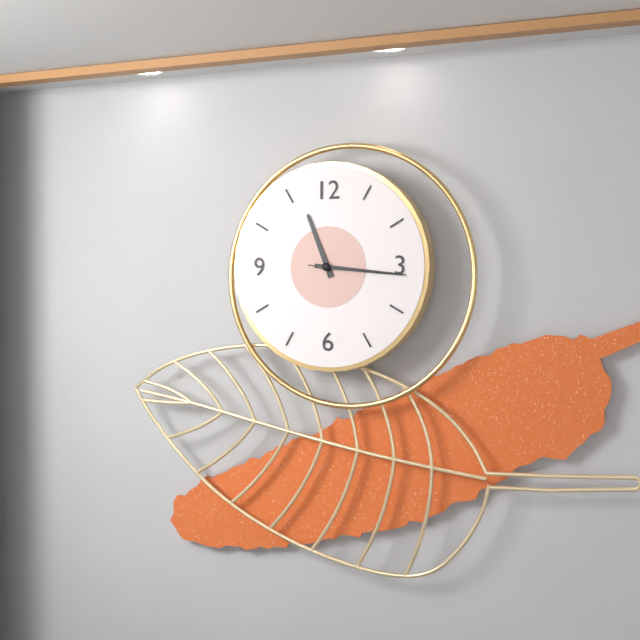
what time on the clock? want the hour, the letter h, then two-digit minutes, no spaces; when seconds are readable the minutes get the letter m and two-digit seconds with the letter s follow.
11h16m16s
